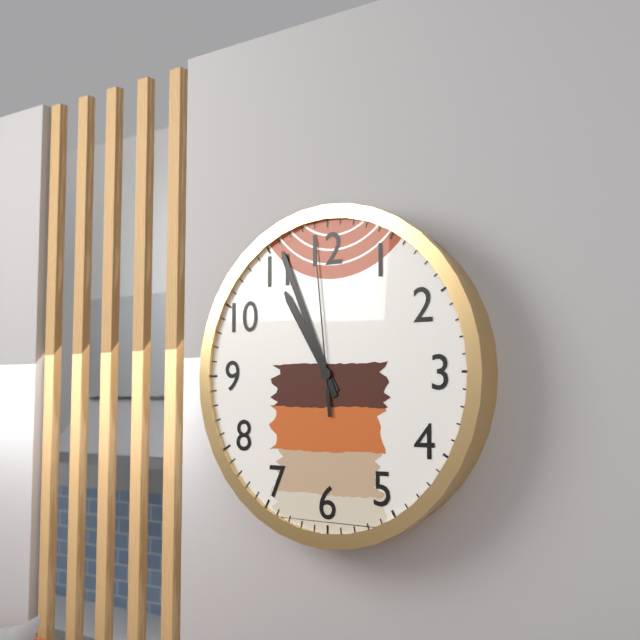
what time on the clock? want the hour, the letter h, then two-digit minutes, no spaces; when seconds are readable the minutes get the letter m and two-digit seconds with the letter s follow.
10h56m59s
